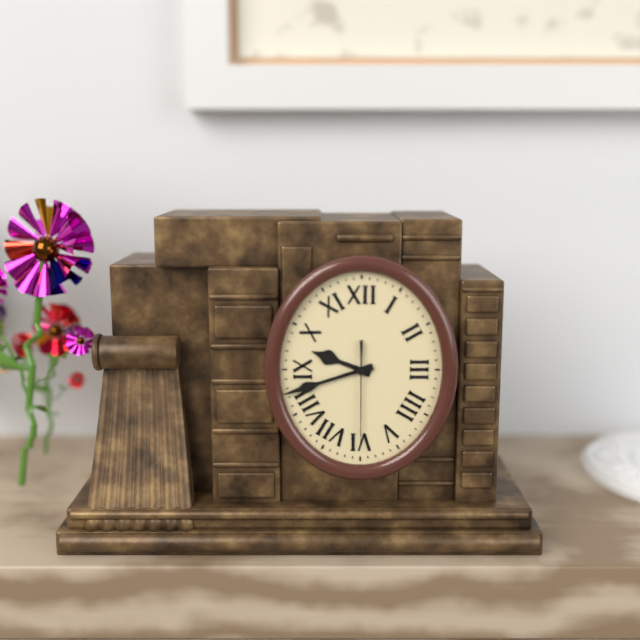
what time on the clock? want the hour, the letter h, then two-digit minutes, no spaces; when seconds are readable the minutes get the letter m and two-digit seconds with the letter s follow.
9h42m30s
